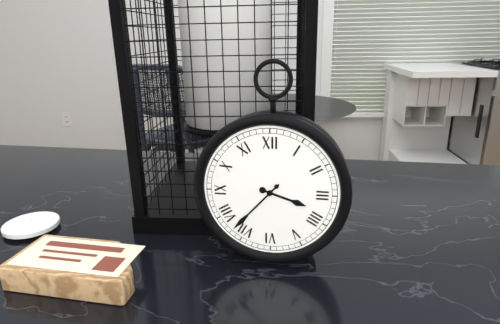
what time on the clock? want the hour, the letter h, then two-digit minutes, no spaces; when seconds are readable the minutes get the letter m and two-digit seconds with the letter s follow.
3h37
